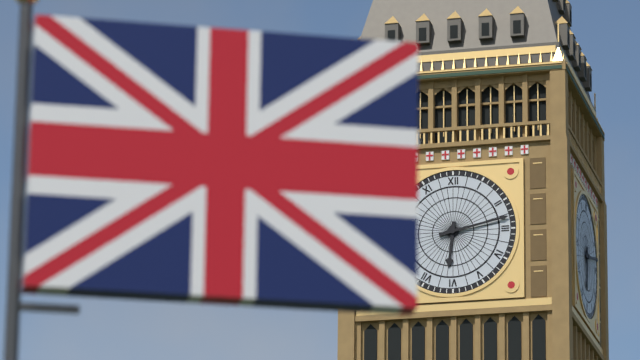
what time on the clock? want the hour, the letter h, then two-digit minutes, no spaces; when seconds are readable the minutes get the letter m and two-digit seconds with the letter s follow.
6h13
